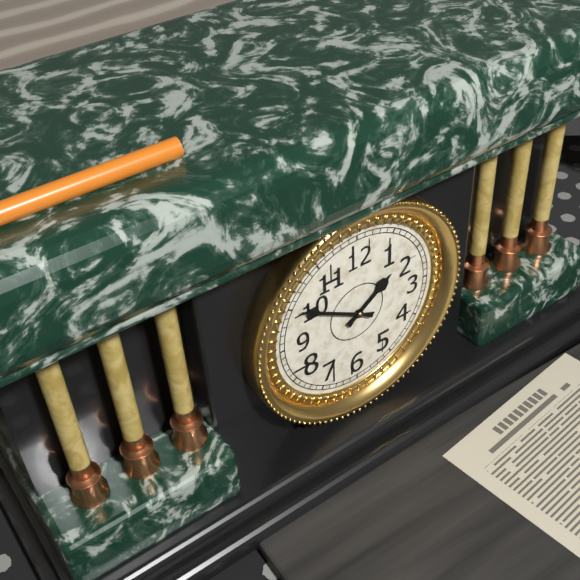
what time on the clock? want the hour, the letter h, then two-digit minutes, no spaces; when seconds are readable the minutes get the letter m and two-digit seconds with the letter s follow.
1h50
